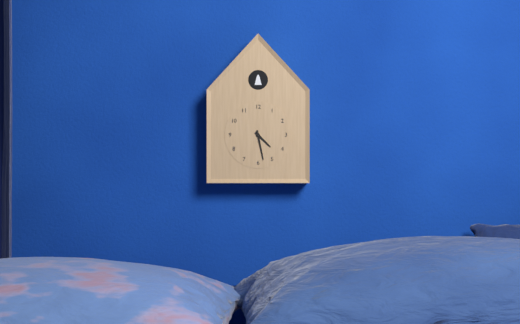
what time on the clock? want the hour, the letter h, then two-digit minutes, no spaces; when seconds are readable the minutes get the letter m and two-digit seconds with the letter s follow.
4h28
